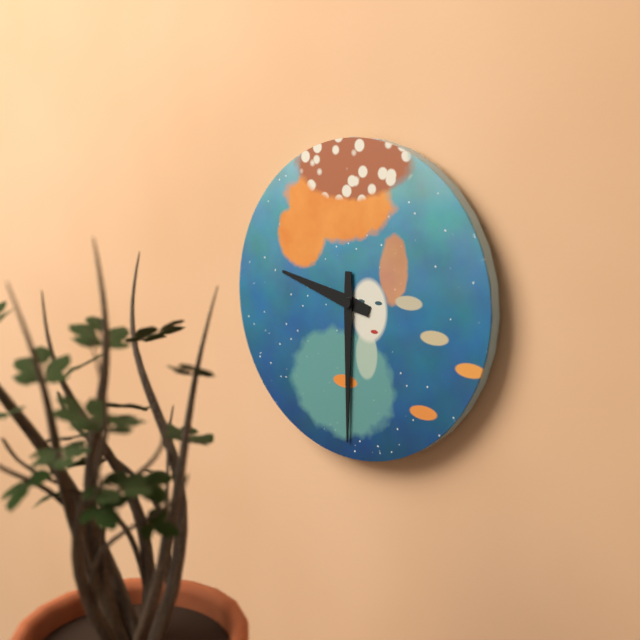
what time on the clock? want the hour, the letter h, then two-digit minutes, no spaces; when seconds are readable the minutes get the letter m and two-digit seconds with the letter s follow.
9h30
